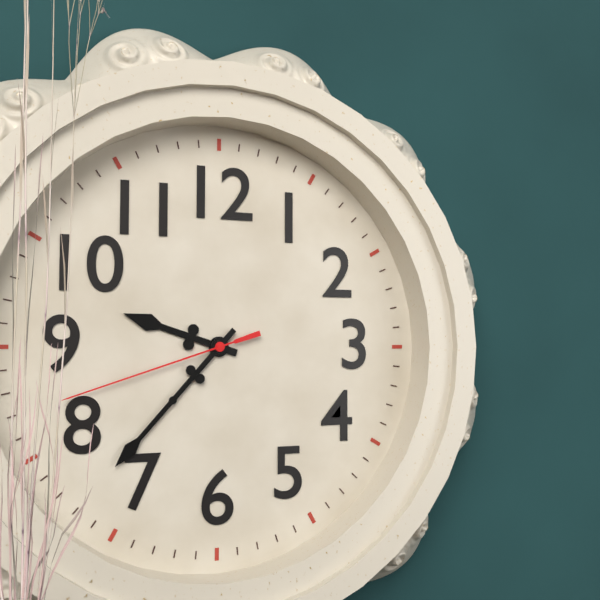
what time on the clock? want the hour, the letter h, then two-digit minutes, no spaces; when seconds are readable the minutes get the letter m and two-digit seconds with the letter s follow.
9h37m42s
